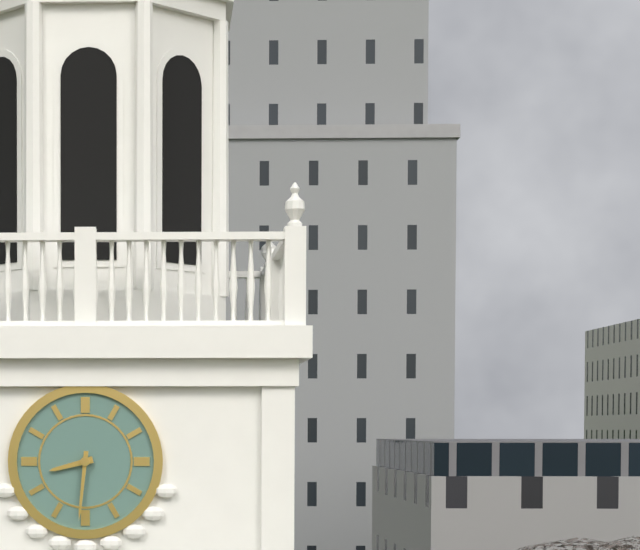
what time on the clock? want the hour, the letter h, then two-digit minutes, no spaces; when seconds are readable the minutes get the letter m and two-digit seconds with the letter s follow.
8h31
